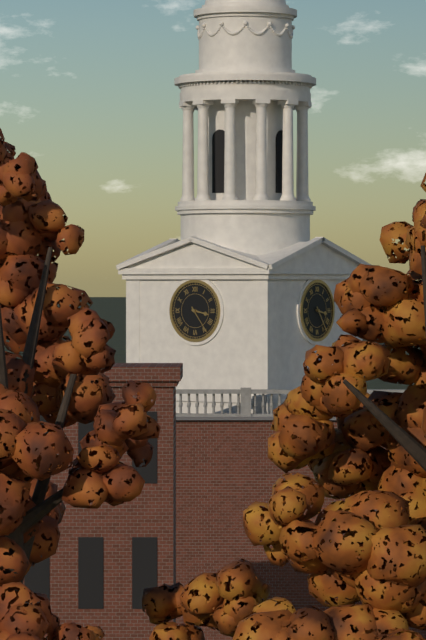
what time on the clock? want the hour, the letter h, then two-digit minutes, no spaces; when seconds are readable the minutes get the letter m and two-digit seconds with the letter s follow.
3h24
